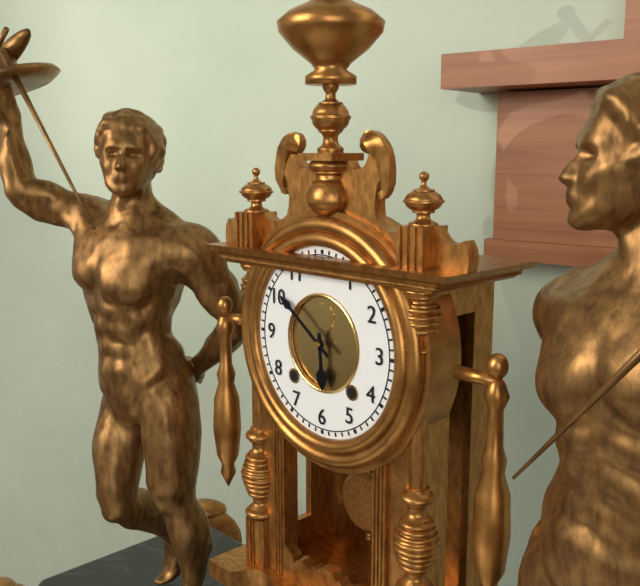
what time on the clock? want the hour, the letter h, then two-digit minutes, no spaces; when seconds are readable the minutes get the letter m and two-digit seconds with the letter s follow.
5h51
